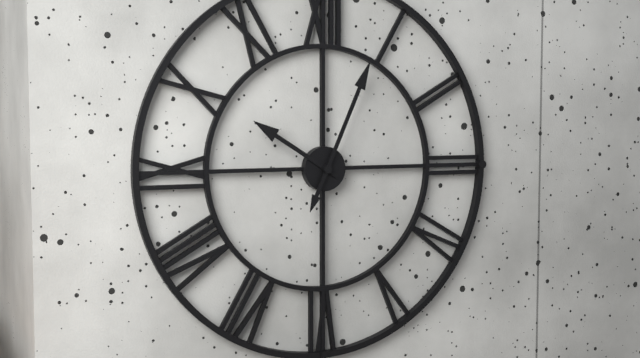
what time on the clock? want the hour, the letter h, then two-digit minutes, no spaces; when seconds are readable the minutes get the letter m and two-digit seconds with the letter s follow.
10h04
